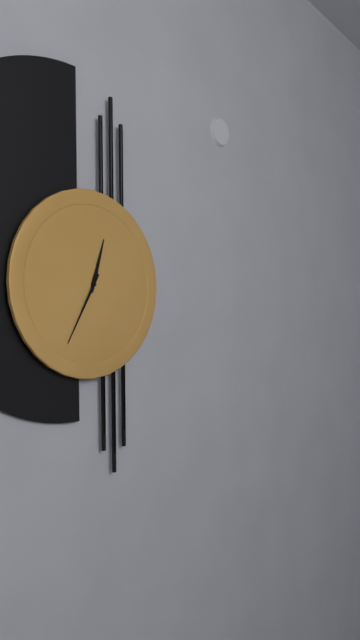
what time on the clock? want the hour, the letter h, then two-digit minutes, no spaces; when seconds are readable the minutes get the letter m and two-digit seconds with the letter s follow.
12h35
